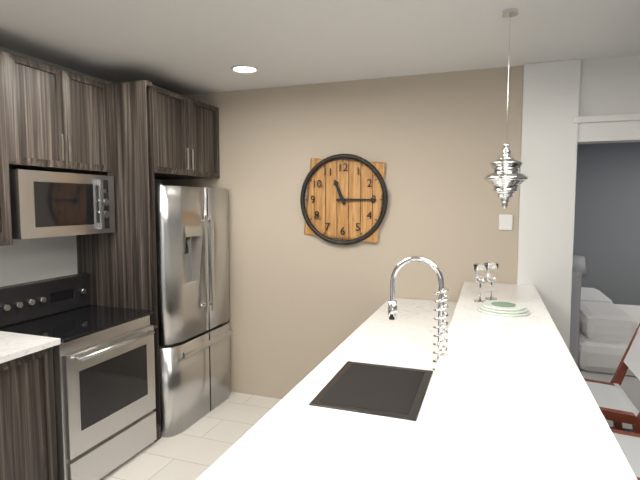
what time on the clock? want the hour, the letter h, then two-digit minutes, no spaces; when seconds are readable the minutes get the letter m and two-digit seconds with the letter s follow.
11h15
